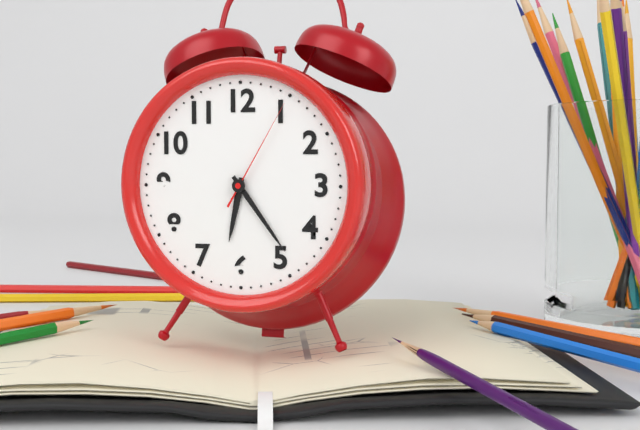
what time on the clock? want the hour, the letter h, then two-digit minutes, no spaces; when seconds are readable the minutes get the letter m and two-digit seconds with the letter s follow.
6h24m05s
